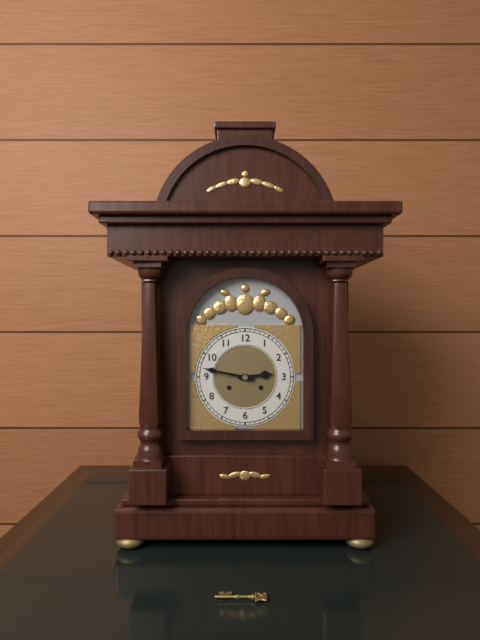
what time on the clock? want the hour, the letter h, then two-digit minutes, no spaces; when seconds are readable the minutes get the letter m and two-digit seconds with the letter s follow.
2h47
